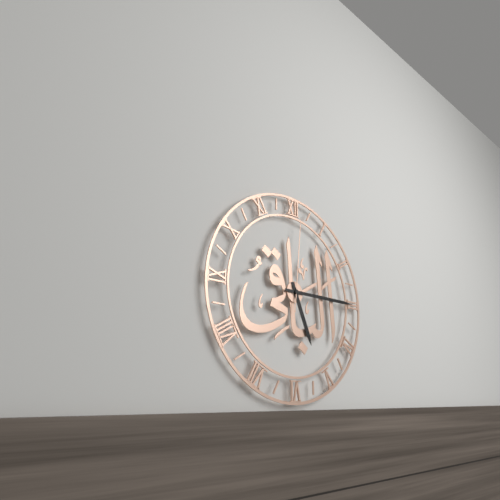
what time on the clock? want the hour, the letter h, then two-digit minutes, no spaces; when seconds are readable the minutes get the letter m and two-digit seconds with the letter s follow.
5h15m01s
